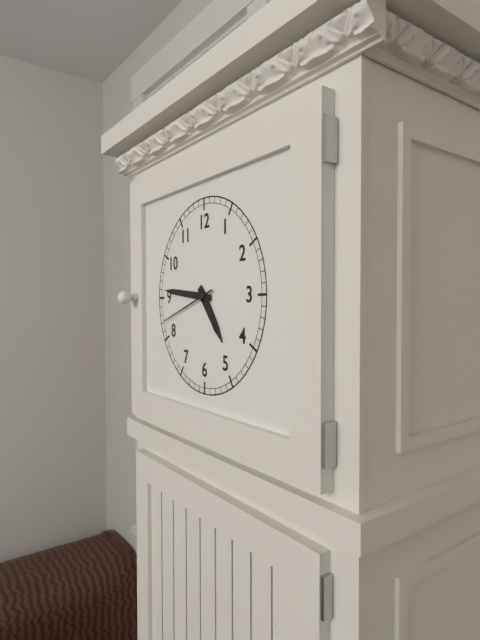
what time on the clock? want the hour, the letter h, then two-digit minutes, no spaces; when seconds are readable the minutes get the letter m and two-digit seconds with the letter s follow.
4h46m42s
